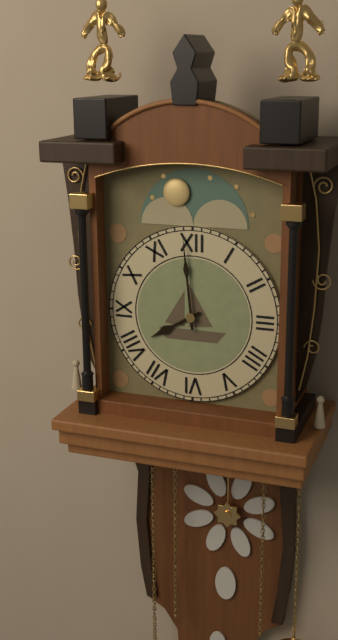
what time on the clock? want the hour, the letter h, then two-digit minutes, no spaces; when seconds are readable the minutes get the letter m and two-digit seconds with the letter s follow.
7h59
